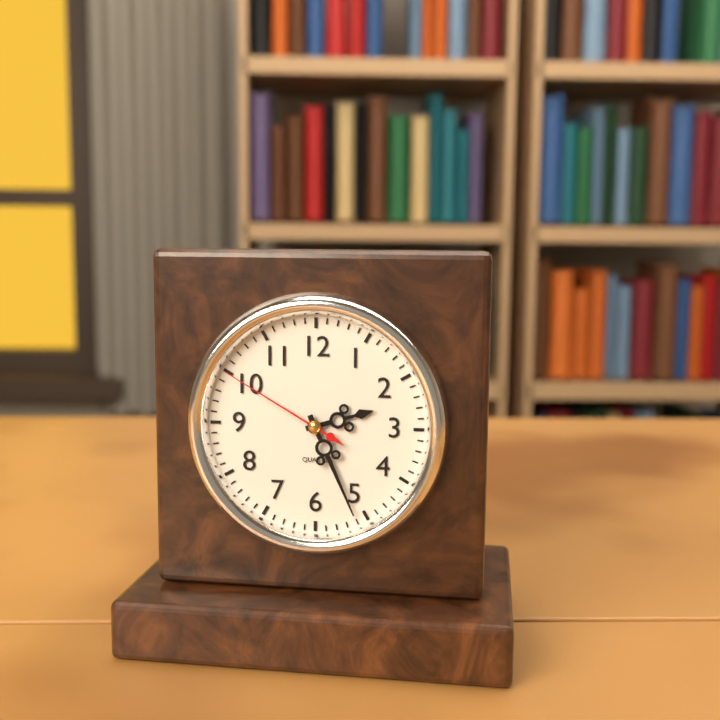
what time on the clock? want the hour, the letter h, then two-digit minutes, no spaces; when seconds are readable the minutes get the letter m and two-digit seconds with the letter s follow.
2h26m50s
